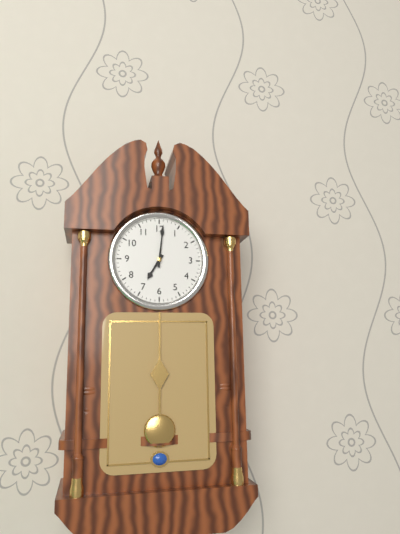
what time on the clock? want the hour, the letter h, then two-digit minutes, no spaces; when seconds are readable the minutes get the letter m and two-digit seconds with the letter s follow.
7h01
